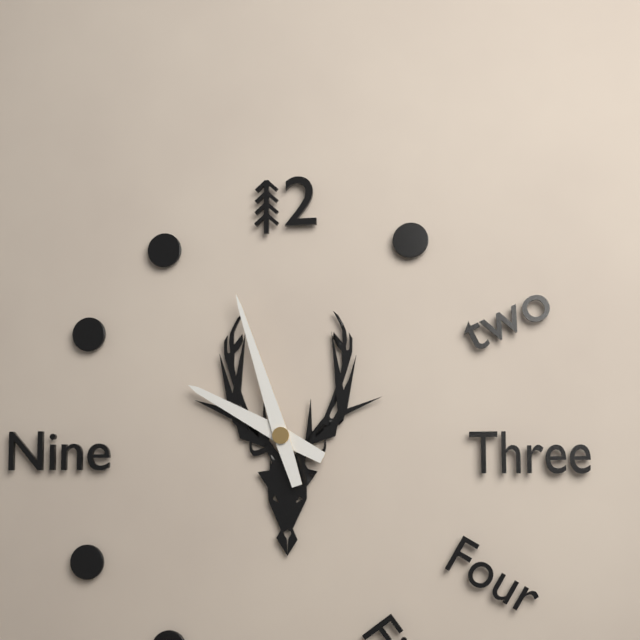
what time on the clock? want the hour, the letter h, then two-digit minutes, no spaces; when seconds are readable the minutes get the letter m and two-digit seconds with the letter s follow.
9h57
